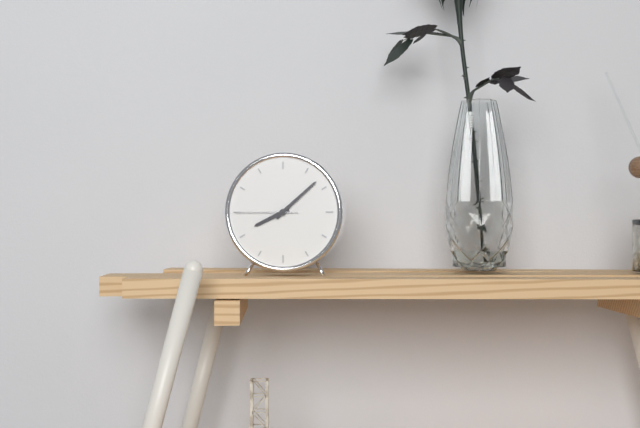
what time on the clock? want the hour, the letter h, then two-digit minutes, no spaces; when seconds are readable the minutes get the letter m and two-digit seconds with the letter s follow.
8h08m45s
